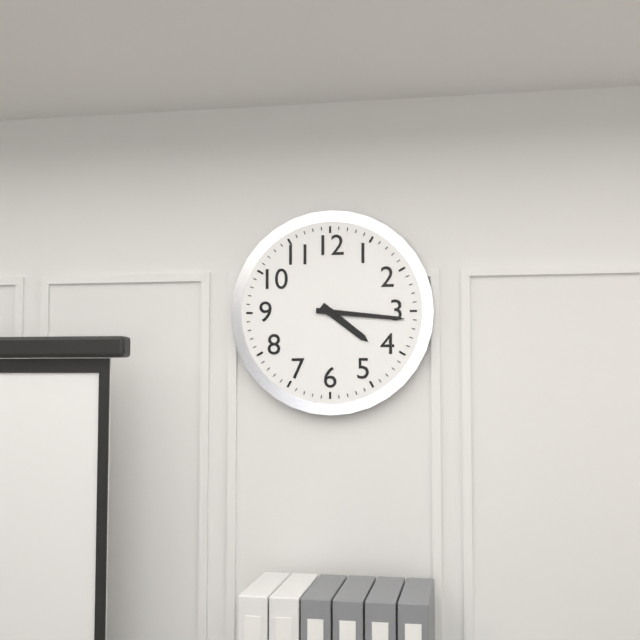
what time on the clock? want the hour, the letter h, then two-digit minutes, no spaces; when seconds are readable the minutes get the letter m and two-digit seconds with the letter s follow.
4h16
